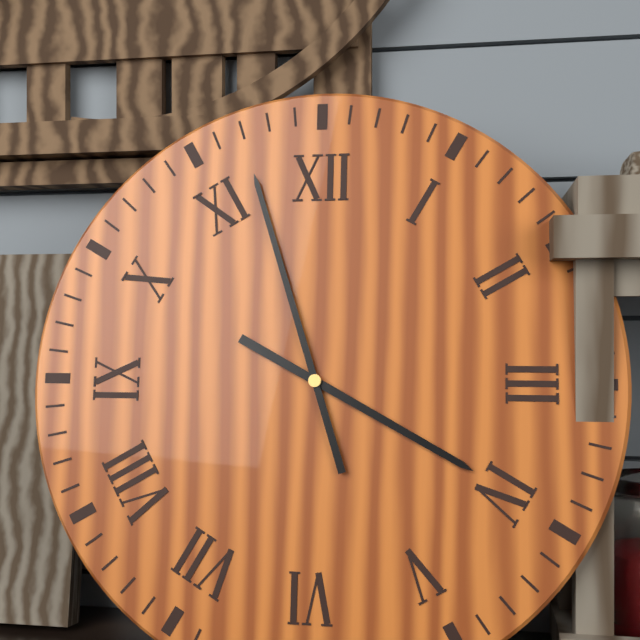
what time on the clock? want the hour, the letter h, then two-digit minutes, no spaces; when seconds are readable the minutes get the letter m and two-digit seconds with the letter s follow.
3h57
